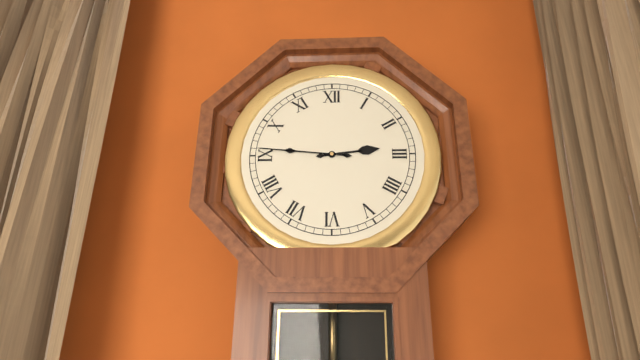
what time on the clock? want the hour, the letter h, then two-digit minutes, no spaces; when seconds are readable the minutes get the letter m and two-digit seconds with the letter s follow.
2h46
